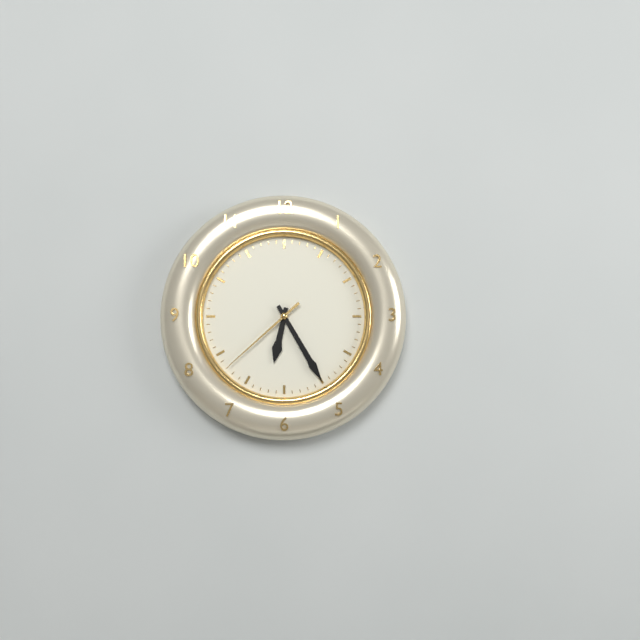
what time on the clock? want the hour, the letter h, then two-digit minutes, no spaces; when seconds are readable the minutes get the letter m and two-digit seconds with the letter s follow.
6h25m38s
